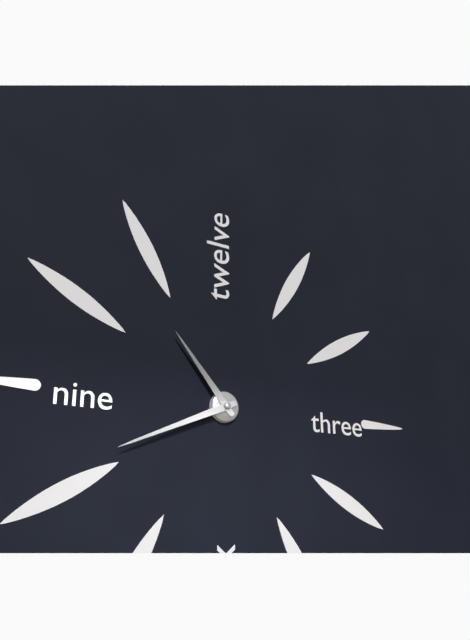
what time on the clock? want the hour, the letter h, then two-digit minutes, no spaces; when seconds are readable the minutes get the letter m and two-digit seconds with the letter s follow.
10h41
